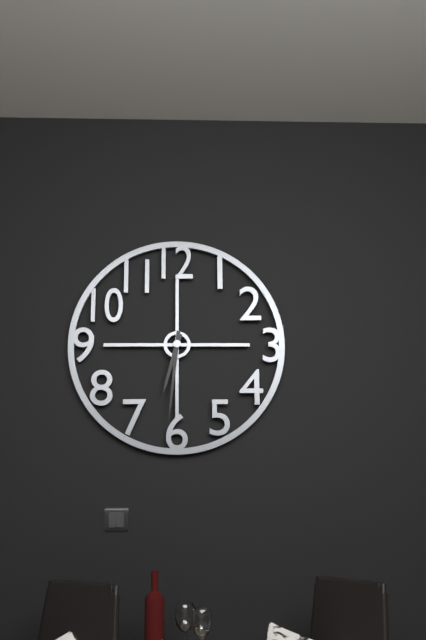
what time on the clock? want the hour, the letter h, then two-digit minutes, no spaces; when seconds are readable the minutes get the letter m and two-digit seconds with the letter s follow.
6h31
